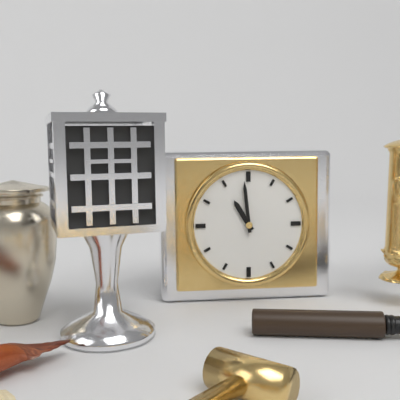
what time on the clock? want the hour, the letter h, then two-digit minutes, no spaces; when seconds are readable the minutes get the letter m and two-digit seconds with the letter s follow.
10h59
